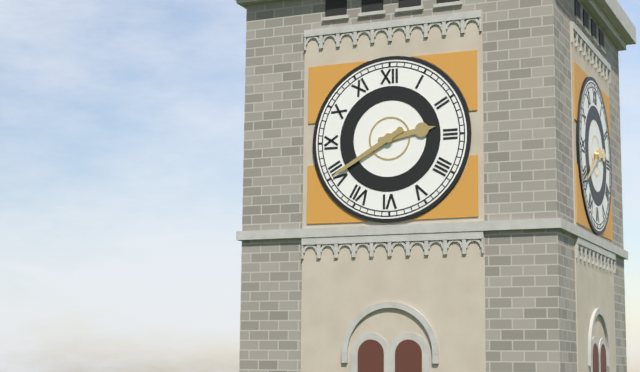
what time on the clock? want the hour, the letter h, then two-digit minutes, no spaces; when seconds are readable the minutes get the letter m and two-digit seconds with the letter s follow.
2h40
